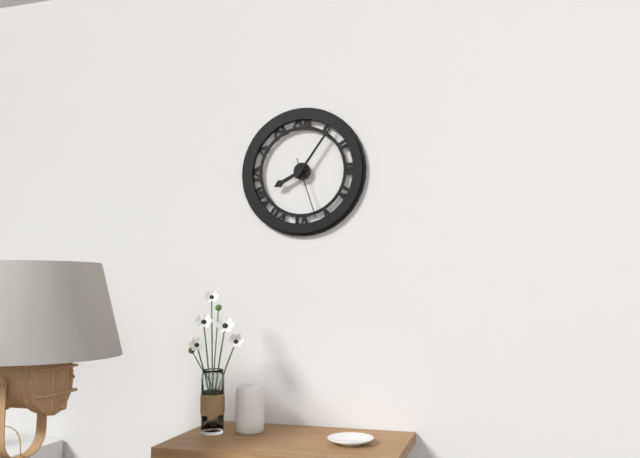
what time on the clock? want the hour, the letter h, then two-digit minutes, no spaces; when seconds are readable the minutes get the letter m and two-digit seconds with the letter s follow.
8h06m27s
